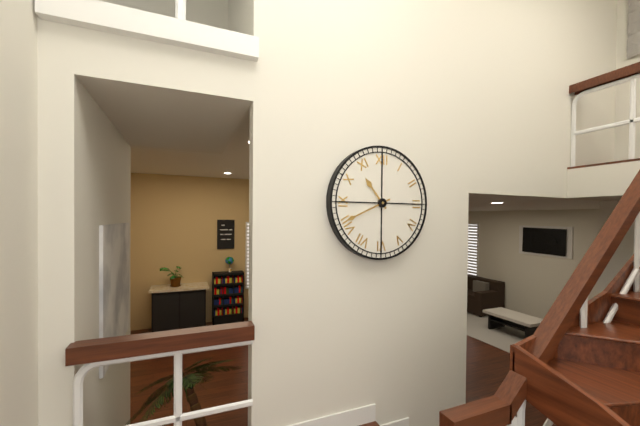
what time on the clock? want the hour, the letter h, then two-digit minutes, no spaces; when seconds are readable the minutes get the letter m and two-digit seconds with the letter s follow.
10h41
